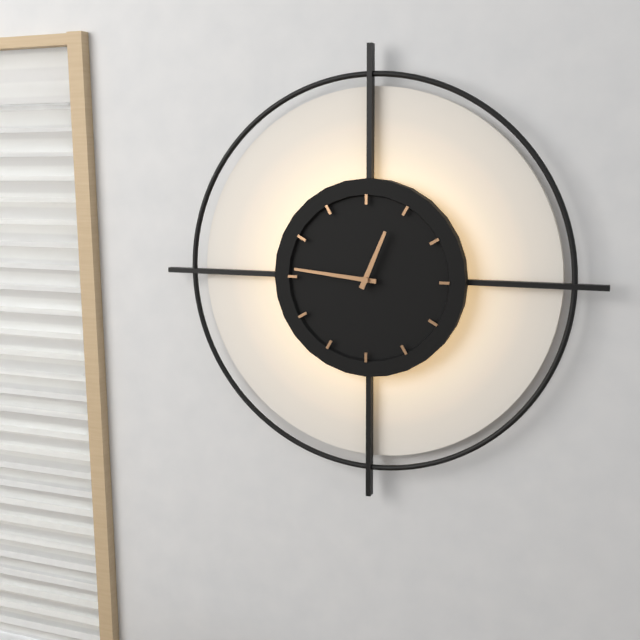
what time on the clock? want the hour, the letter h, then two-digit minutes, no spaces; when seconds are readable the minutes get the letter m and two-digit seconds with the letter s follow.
12h46
